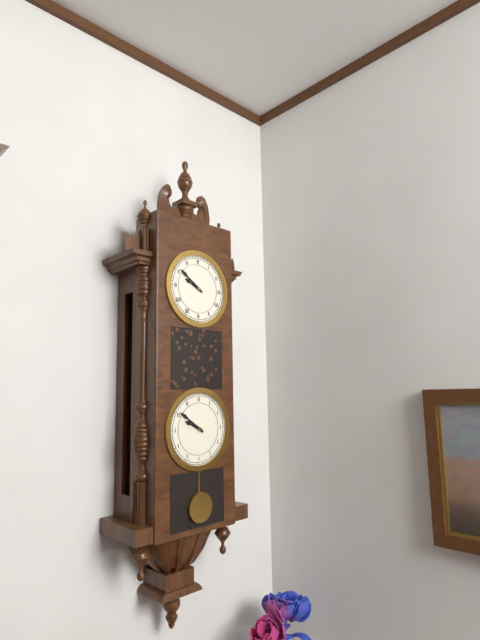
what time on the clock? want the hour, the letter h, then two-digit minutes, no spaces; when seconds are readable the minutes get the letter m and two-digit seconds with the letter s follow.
9h51
